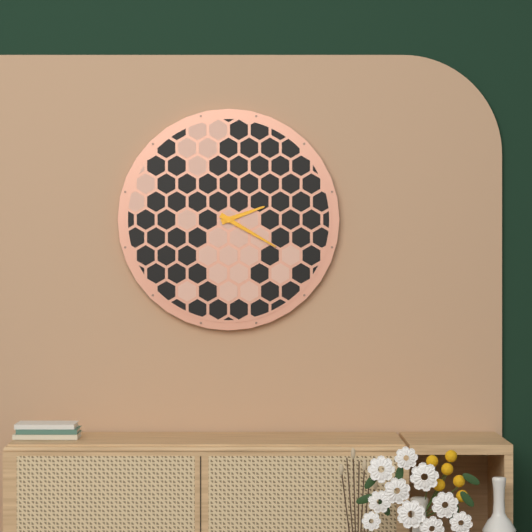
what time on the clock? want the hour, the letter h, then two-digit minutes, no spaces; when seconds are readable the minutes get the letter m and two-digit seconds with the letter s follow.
2h20
